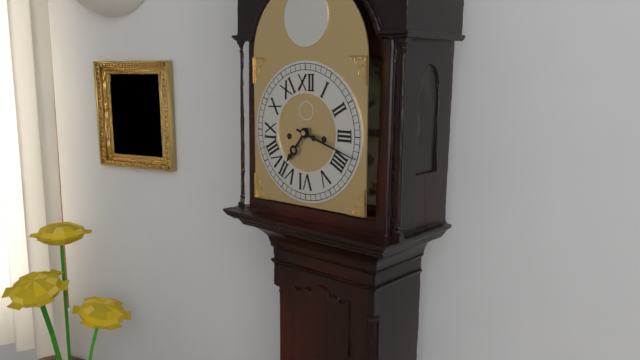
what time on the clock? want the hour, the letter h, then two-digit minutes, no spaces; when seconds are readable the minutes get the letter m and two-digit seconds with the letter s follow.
7h18
